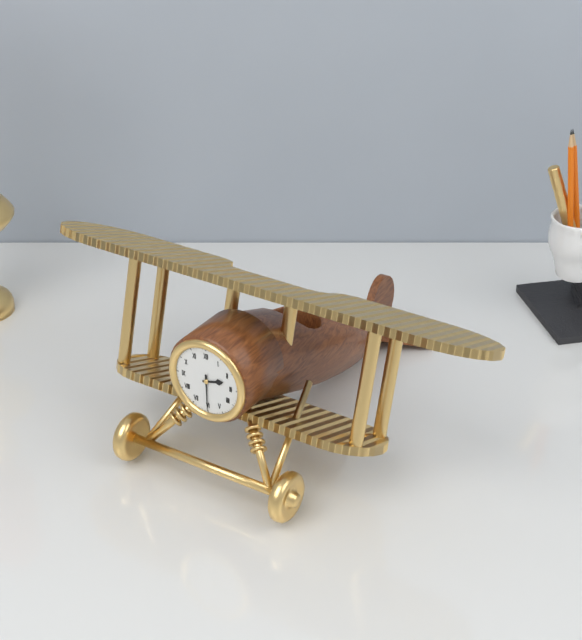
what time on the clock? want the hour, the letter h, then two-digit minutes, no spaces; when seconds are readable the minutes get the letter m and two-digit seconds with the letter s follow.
2h30
